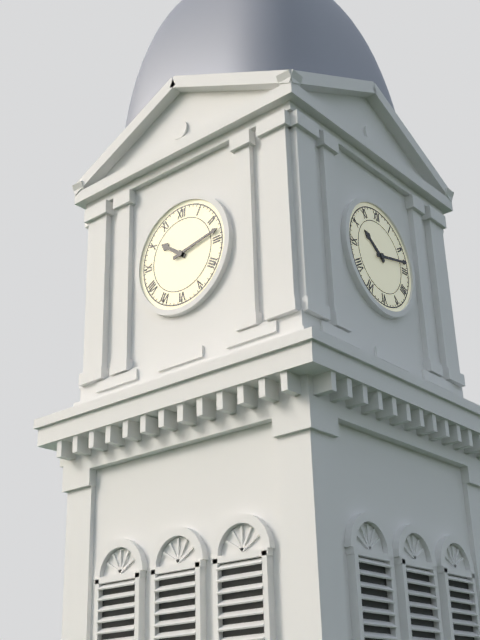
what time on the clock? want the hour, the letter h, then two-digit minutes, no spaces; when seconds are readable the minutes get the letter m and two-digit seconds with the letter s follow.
10h13
